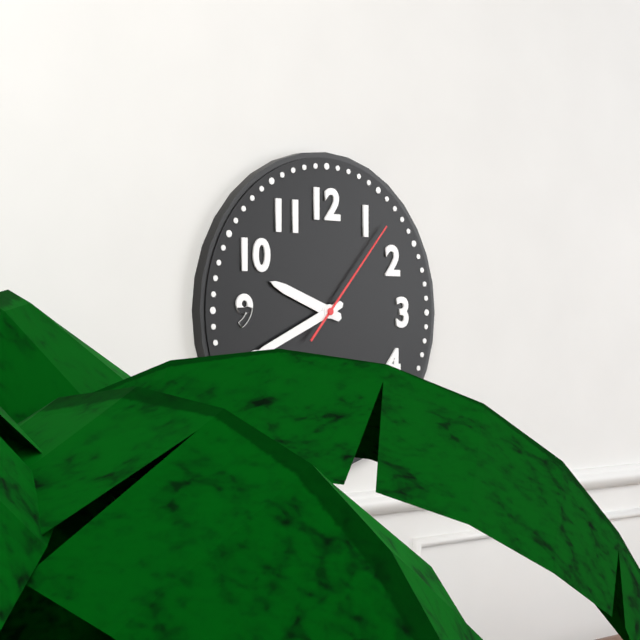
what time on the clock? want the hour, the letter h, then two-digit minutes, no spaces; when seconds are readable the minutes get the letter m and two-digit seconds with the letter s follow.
9h41m07s
